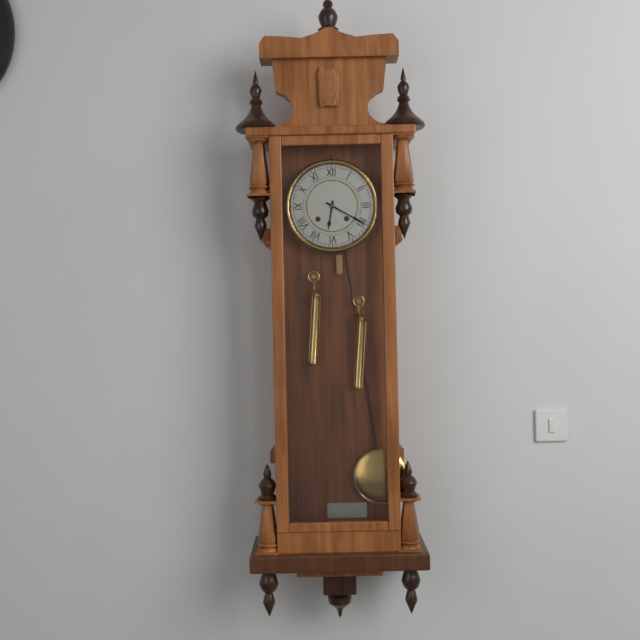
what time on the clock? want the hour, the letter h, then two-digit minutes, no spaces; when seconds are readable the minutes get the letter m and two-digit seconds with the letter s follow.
6h20
